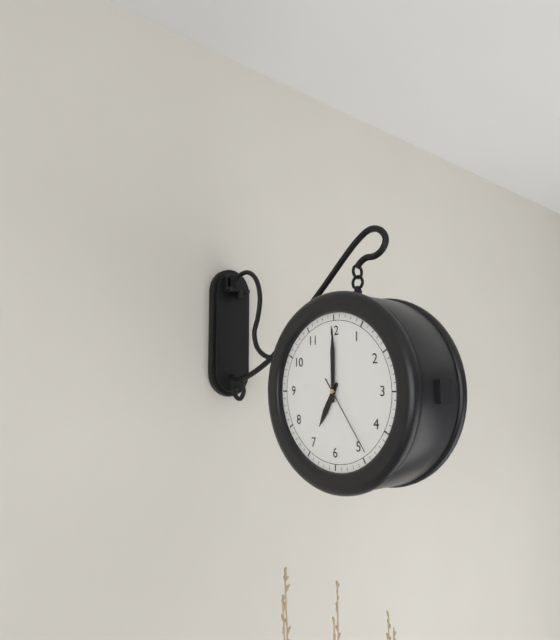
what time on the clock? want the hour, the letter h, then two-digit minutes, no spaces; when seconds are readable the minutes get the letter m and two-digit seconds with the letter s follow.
7h00m24s
